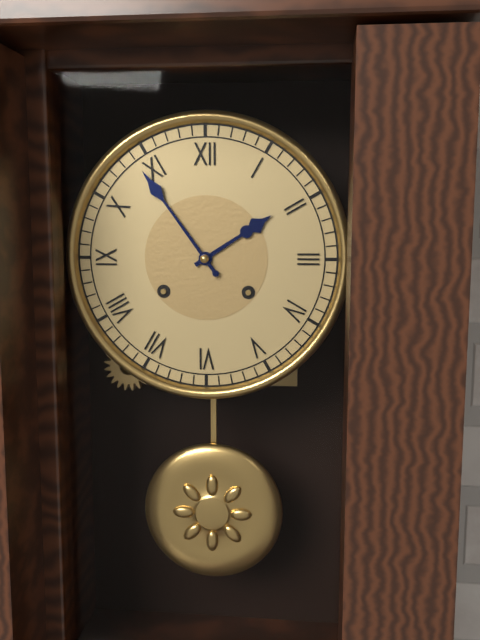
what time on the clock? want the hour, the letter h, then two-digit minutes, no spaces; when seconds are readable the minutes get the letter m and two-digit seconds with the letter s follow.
1h54
